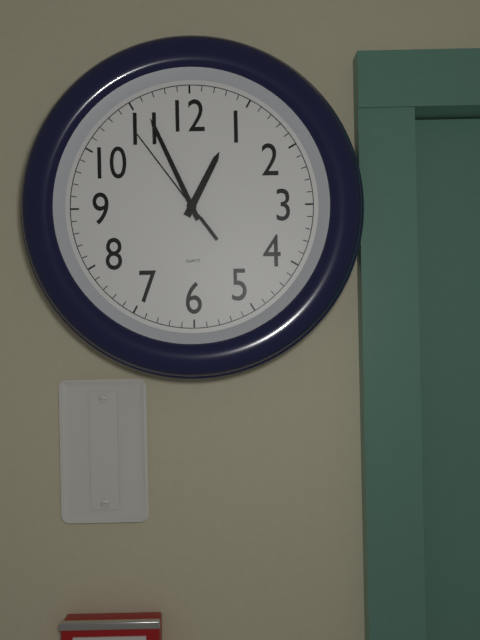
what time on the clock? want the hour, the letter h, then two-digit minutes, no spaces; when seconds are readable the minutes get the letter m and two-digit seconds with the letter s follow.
12h56m54s
